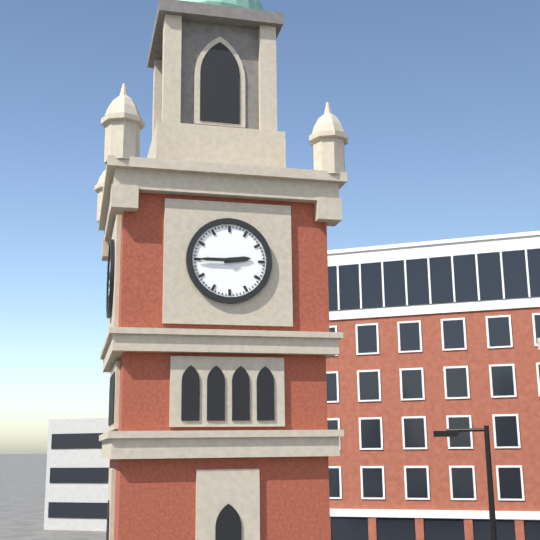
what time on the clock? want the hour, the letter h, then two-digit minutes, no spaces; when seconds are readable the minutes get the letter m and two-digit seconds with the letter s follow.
2h45
